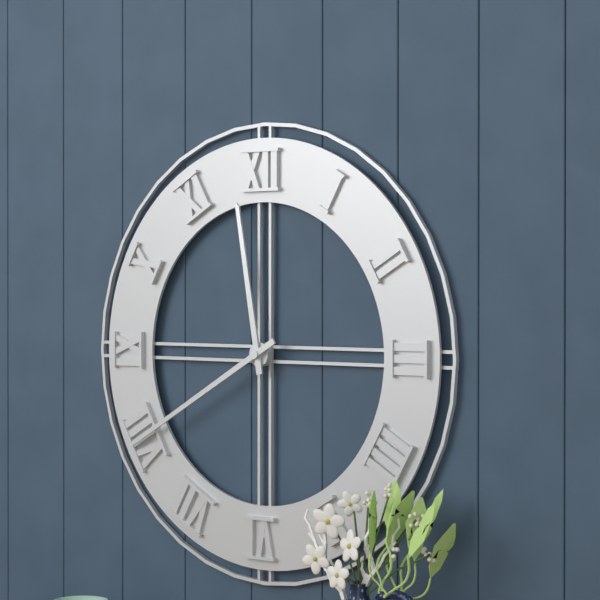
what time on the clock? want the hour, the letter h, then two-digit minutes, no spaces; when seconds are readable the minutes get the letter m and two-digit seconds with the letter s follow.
11h40
